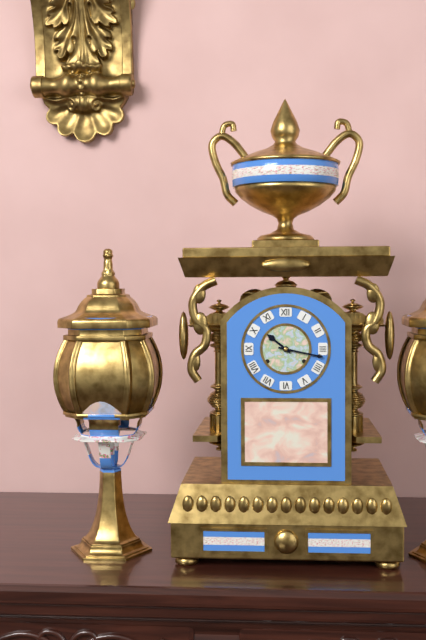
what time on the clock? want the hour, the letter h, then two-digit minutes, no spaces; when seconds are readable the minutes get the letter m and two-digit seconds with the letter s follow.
10h17
